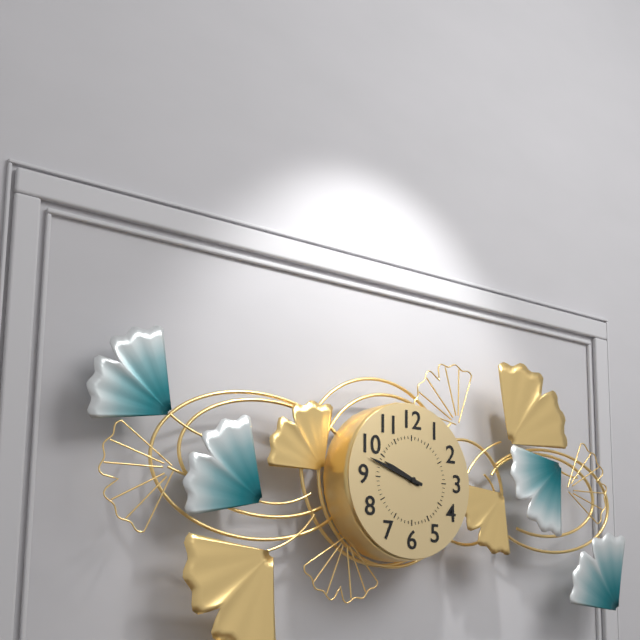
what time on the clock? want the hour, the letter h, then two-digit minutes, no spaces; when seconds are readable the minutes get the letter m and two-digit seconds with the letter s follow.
9h48
